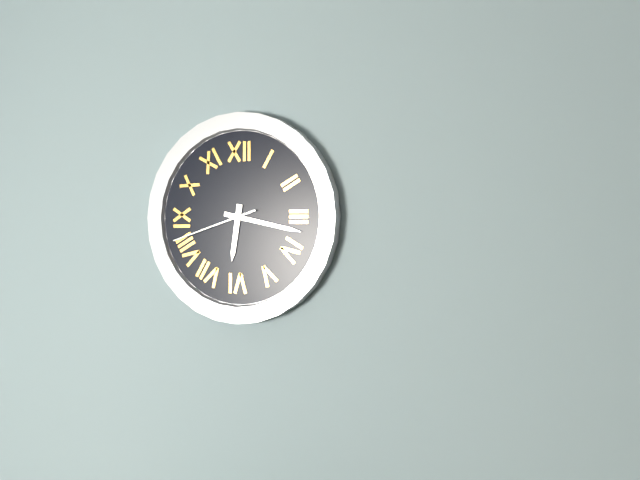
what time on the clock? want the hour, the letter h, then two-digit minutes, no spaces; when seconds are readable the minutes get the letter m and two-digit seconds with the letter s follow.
6h17m42s
